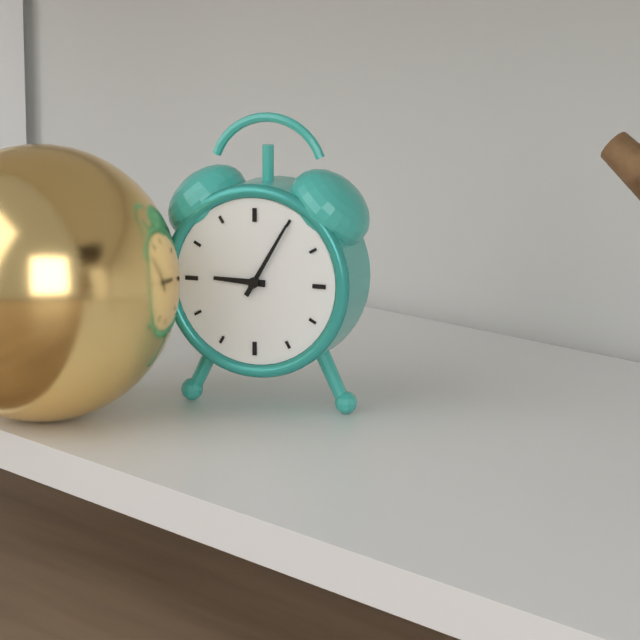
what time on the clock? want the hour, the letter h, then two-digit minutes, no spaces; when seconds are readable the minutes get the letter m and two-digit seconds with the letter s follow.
9h05
